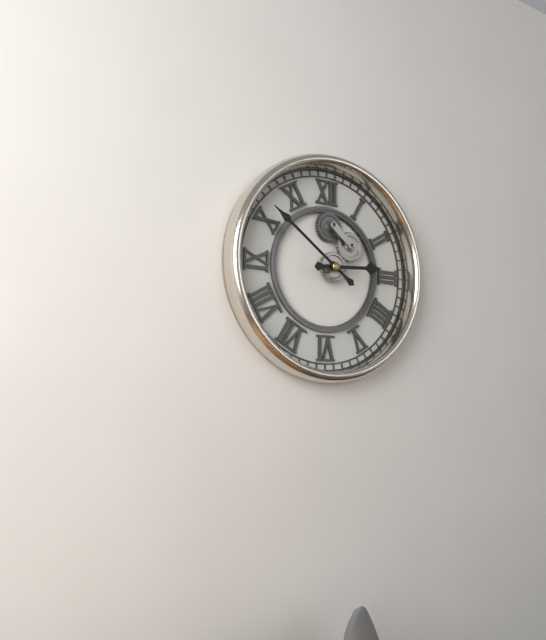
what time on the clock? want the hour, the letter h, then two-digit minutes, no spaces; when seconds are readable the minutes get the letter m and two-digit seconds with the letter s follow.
2h51
